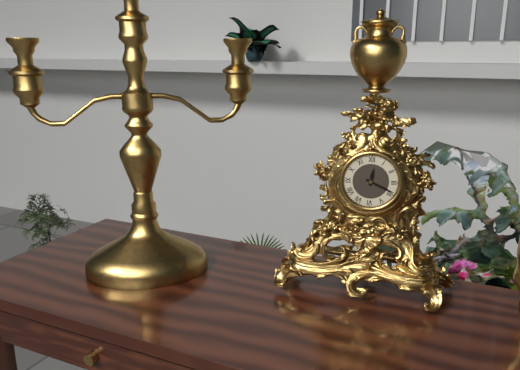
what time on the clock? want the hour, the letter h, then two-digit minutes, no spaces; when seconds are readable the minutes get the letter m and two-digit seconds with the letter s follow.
12h19
